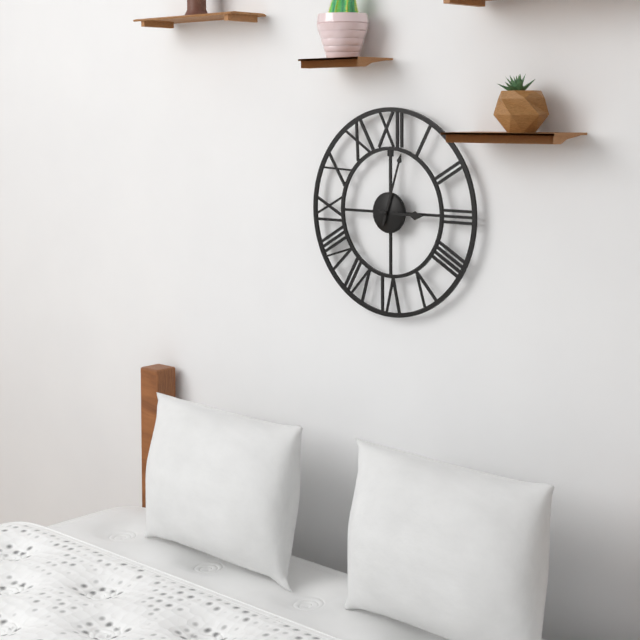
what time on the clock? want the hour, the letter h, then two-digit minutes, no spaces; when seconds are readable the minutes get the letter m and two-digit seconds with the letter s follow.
3h03
